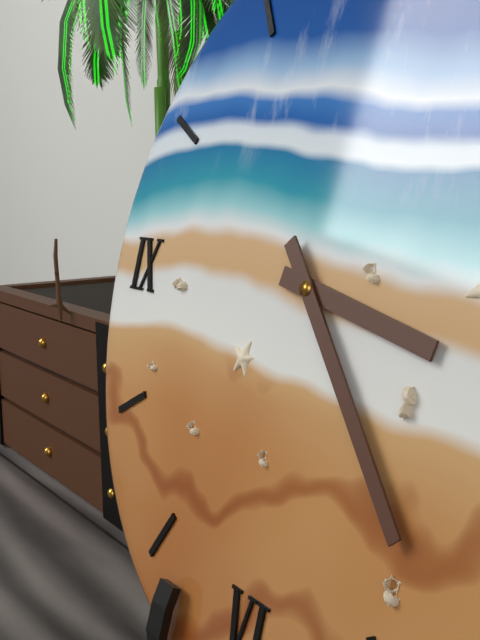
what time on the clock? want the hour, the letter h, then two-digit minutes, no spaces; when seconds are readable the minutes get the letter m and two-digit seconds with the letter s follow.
3h23
